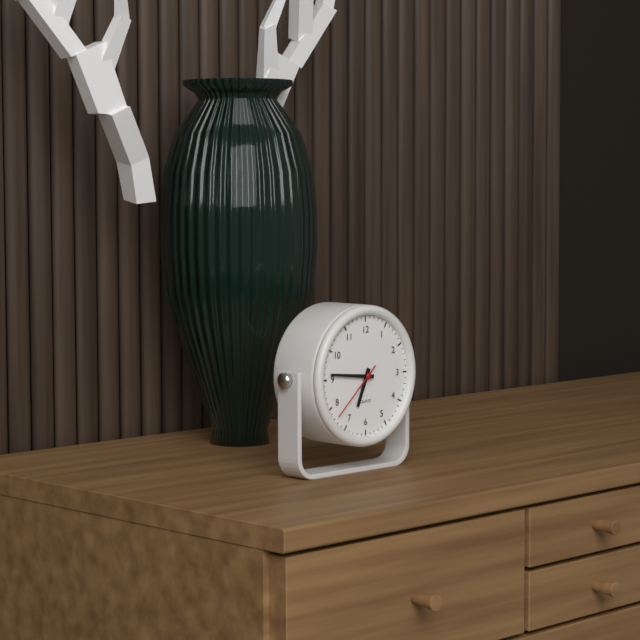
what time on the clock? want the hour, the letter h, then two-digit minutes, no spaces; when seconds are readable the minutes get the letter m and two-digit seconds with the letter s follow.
6h46m38s
